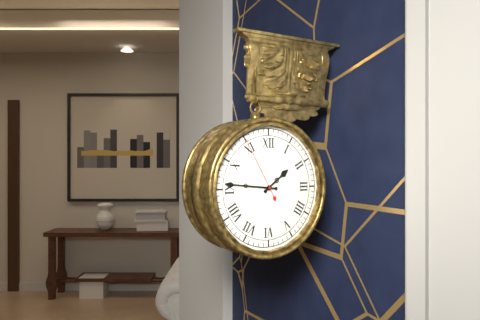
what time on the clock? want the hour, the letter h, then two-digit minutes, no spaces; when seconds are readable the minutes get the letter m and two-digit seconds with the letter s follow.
1h46m55s
